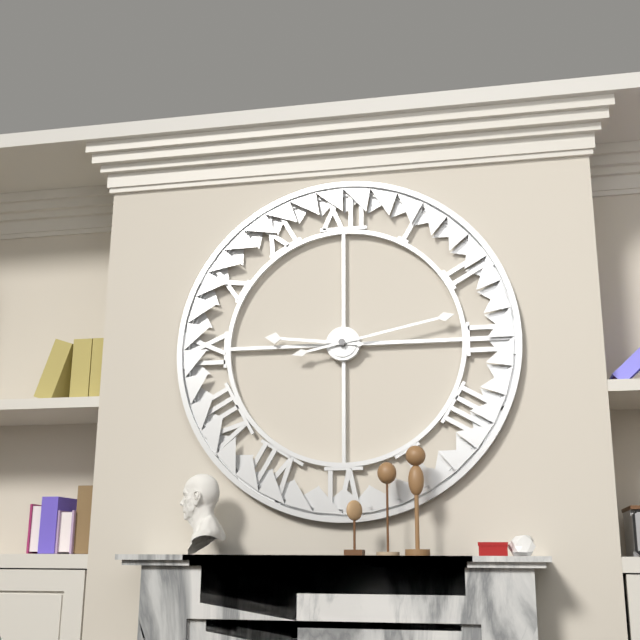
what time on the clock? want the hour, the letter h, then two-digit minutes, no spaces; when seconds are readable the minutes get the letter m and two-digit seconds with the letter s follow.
9h13
